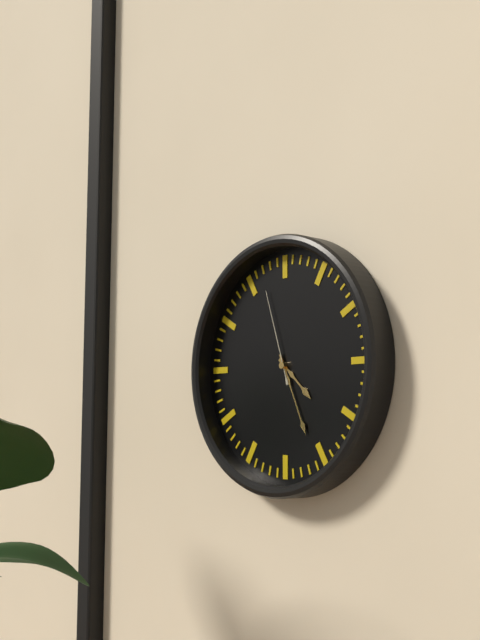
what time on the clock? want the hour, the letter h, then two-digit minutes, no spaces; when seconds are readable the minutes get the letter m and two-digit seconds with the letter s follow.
4h26m57s
